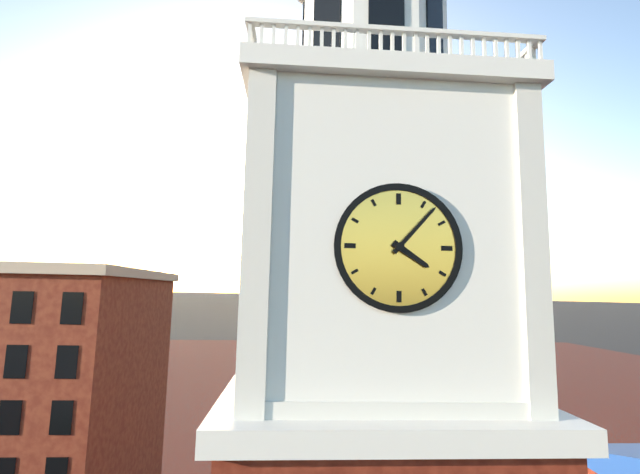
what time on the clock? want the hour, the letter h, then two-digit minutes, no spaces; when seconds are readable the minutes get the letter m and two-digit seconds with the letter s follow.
4h07
